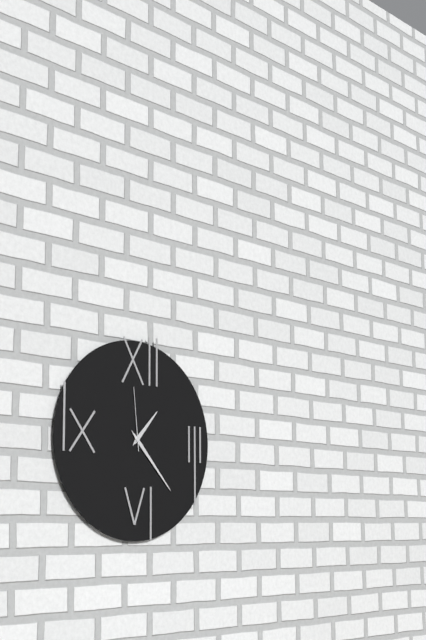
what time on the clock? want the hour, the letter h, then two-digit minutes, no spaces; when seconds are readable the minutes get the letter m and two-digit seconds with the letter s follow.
1h23m59s
